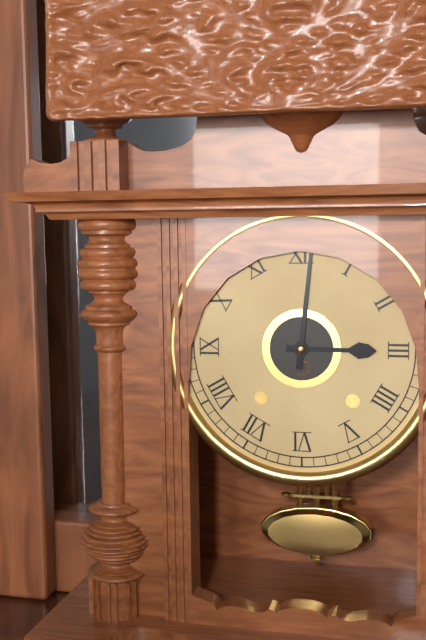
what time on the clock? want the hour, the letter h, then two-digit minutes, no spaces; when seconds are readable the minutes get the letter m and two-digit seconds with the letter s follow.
3h01
